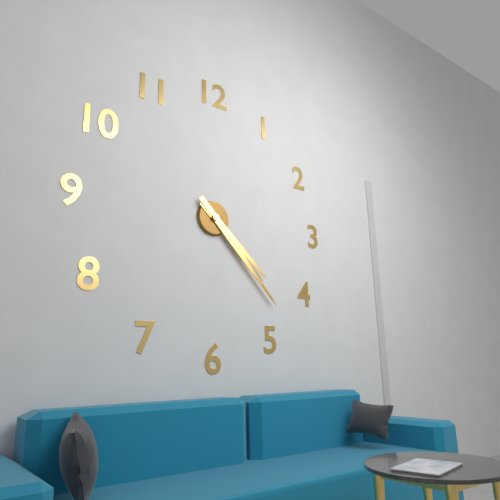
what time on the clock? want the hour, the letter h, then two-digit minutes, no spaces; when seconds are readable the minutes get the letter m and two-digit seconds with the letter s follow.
4h23
